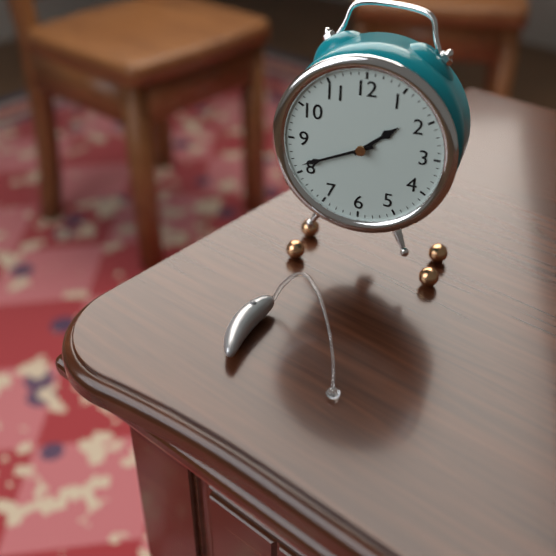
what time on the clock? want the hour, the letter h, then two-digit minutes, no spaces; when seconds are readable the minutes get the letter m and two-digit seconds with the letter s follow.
1h41
